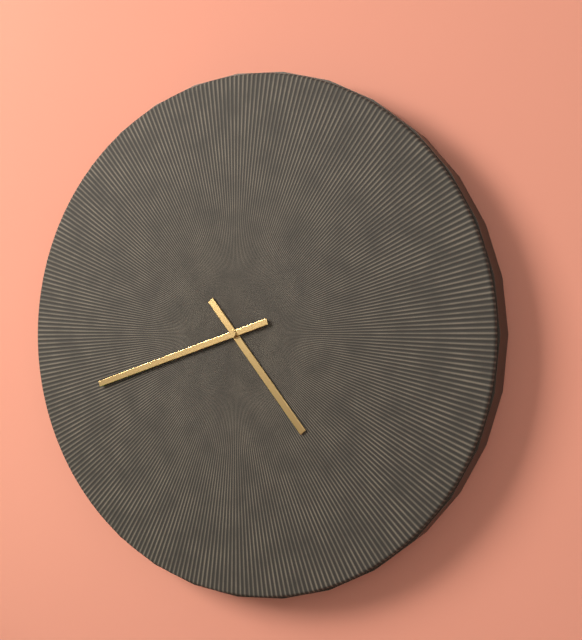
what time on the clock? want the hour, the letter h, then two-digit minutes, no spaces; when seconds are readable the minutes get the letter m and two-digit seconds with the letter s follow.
4h42
